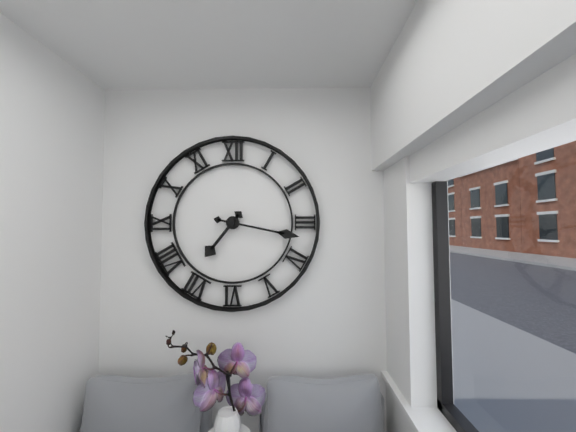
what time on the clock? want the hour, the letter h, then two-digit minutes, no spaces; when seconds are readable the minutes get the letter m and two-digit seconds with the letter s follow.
7h17
